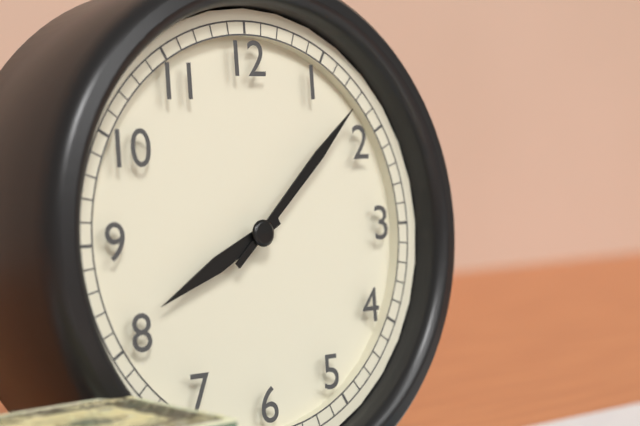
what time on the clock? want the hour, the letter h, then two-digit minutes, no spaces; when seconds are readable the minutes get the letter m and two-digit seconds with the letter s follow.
8h08
